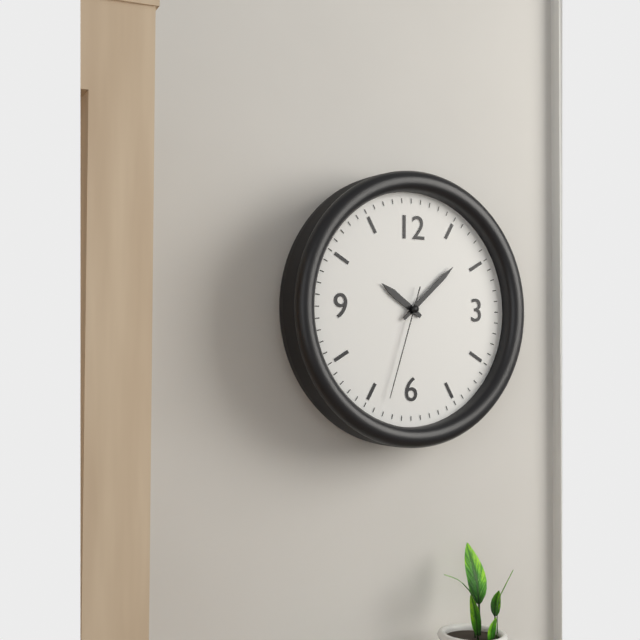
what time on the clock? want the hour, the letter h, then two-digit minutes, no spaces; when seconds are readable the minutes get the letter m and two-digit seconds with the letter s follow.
10h08m33s
